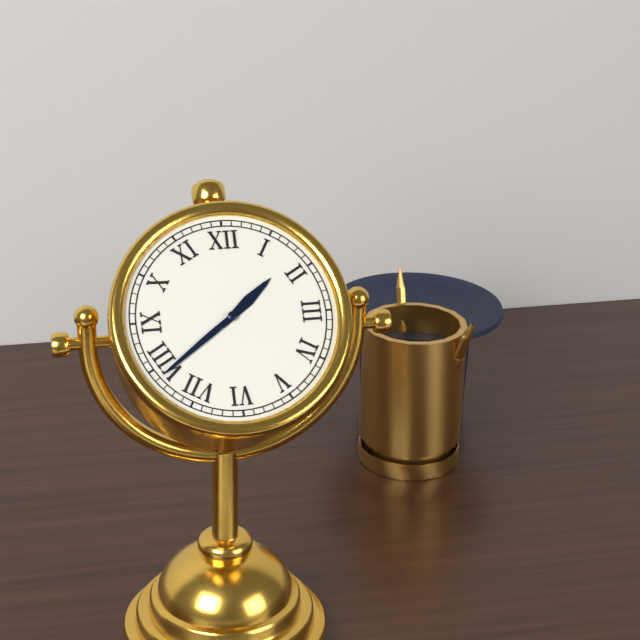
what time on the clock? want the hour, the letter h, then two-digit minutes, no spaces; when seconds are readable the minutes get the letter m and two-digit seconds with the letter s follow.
1h39
